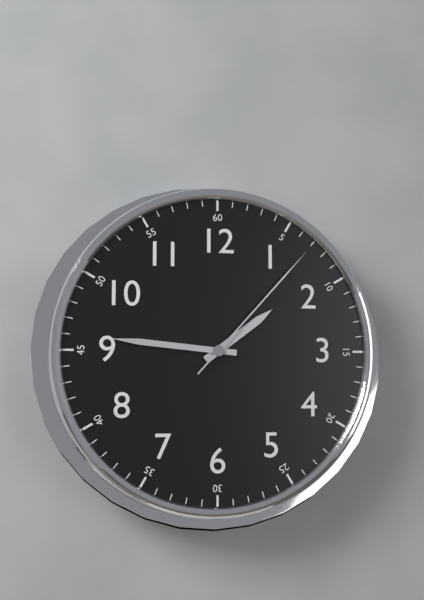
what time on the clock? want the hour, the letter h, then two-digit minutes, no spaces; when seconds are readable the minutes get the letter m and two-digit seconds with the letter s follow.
1h46m07s
